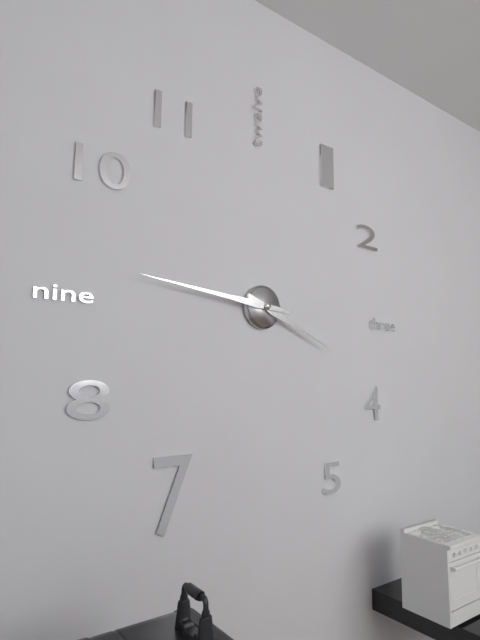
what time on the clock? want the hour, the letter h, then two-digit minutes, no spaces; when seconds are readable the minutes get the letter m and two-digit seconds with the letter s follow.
3h46
